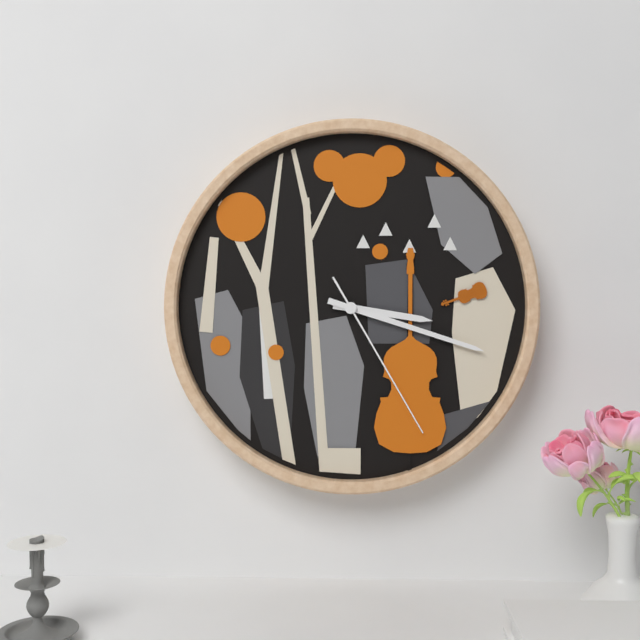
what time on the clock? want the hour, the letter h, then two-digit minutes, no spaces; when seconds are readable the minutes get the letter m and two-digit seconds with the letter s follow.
3h18m25s
